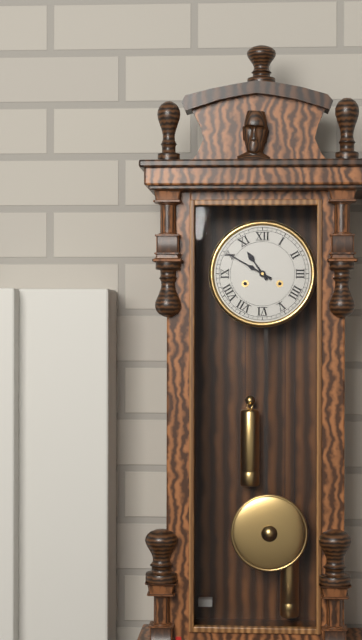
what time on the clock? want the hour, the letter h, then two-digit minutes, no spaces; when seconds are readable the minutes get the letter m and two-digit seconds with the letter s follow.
10h50
